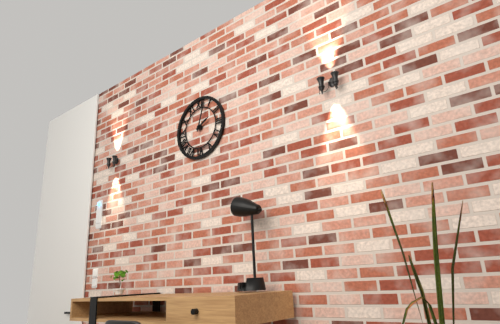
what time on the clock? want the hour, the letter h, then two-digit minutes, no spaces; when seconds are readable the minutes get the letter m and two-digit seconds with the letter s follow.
2h03
